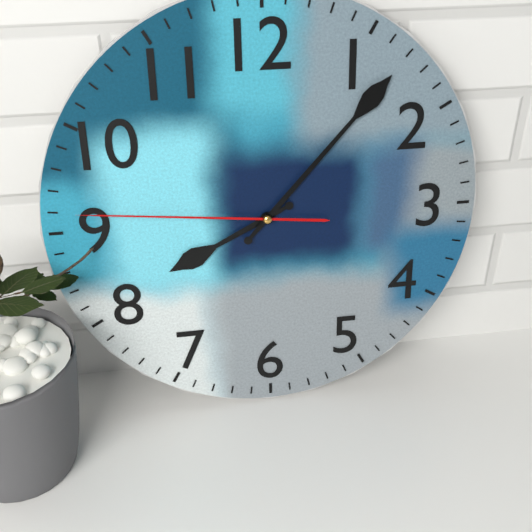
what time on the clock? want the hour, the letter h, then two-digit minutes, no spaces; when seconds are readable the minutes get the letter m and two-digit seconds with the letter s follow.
8h07m46s
